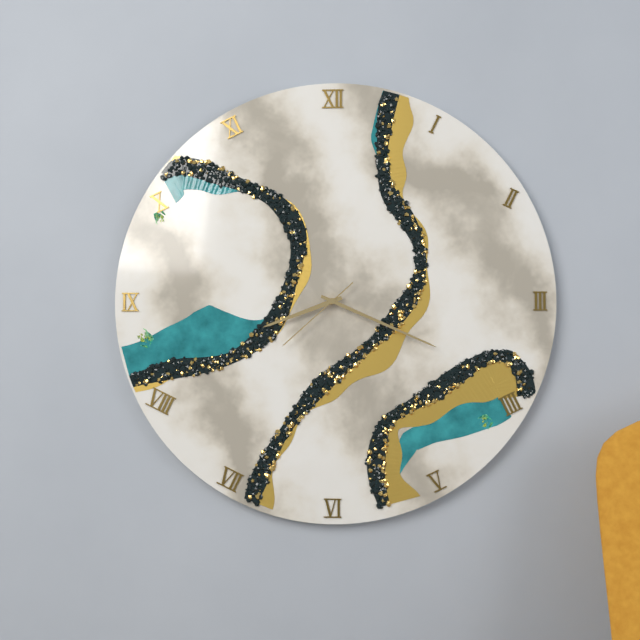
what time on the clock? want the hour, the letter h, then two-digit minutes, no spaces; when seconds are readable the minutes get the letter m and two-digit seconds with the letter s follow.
8h19m38s
